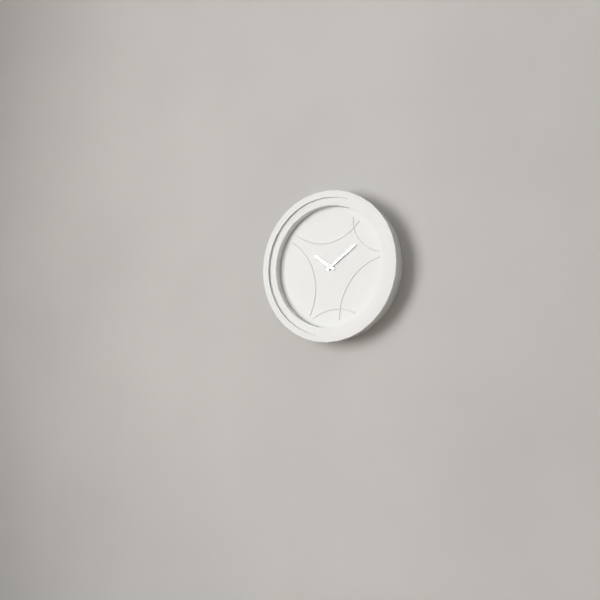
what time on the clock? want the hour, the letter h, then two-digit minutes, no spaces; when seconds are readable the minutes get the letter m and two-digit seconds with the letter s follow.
10h09
